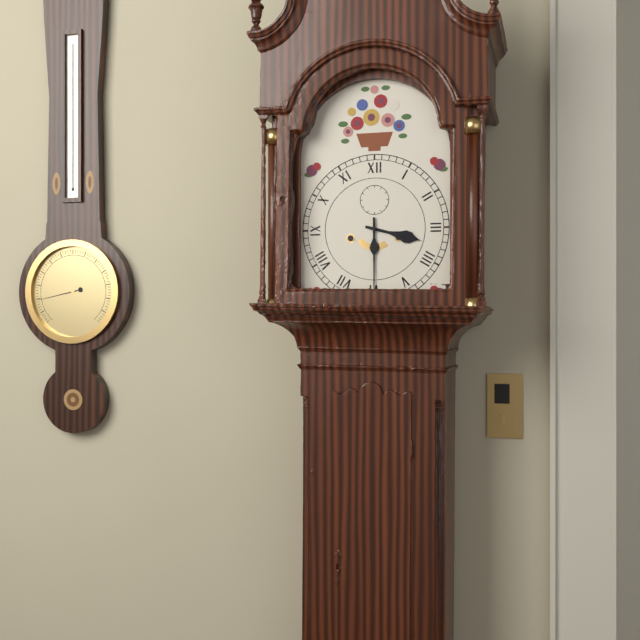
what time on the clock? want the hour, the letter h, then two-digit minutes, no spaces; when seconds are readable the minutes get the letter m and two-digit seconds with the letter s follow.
3h30
